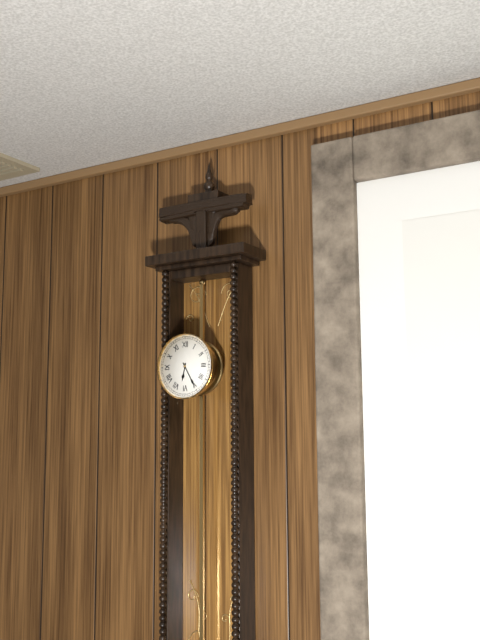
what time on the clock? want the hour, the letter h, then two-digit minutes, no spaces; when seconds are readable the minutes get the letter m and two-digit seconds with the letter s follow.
6h25
